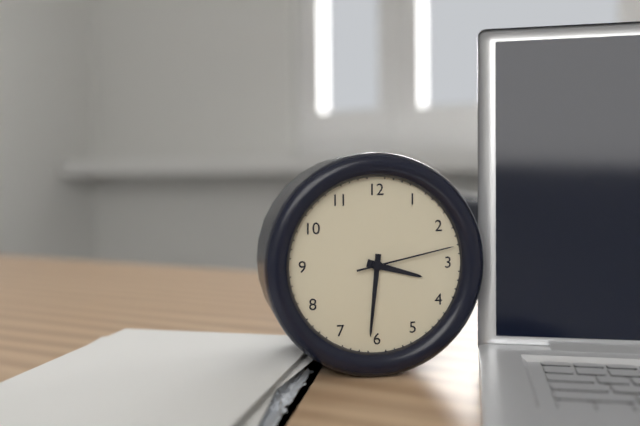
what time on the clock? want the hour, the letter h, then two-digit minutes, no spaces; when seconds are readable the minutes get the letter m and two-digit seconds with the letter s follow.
3h31m13s
